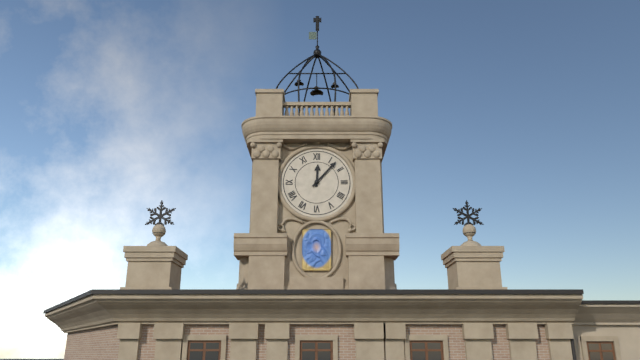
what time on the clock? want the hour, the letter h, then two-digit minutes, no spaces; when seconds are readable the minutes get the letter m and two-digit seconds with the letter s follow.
12h07
